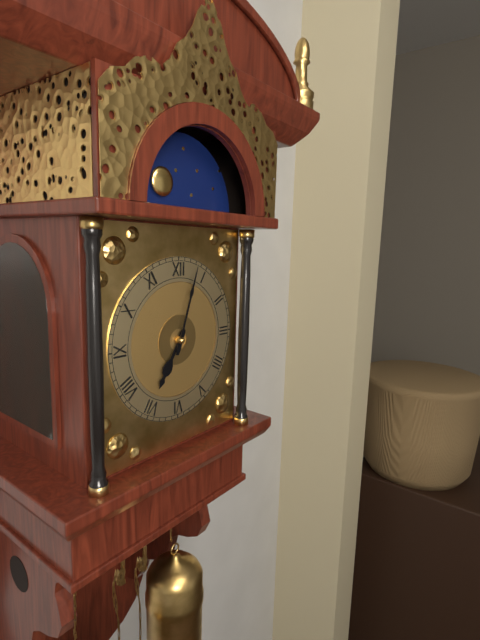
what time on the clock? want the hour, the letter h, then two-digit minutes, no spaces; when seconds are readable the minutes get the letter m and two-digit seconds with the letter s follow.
7h03
